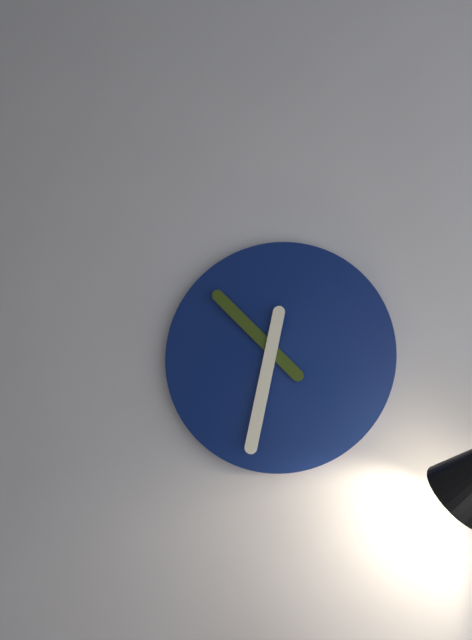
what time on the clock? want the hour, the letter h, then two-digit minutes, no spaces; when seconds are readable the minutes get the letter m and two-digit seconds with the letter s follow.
10h32
